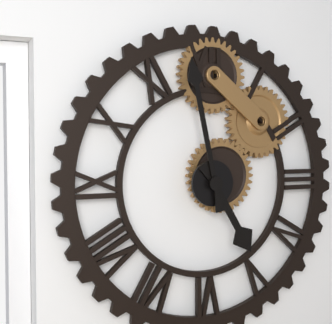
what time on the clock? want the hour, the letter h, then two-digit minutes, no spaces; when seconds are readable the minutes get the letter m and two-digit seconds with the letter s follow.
4h58
